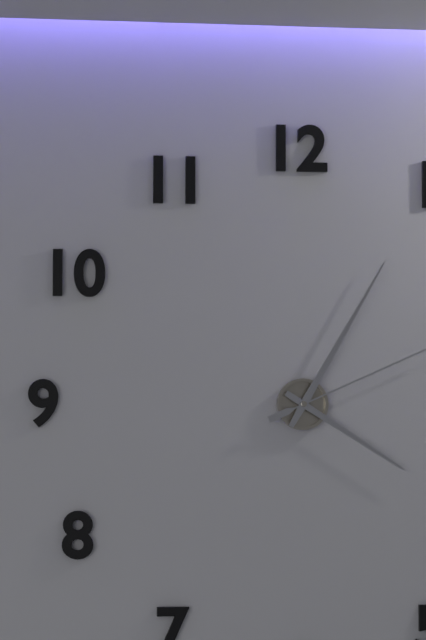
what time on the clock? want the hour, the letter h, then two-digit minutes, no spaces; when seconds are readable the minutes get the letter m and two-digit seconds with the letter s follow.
4h05
